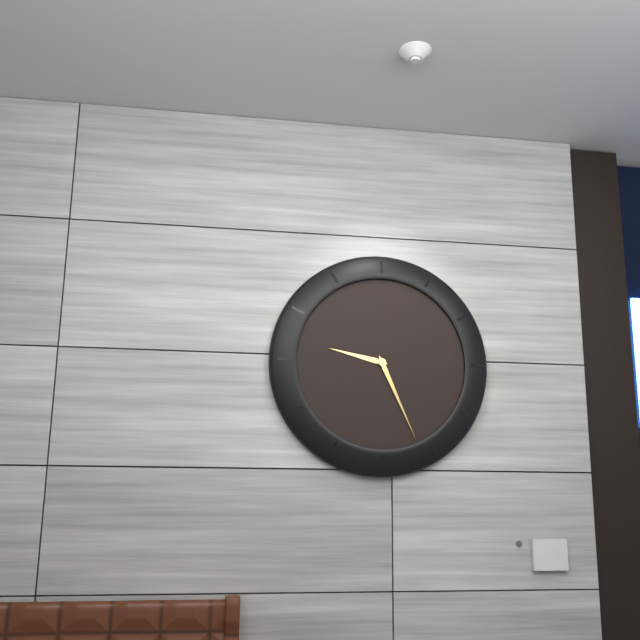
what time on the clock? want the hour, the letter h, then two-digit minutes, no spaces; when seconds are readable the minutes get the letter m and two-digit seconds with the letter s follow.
9h26
